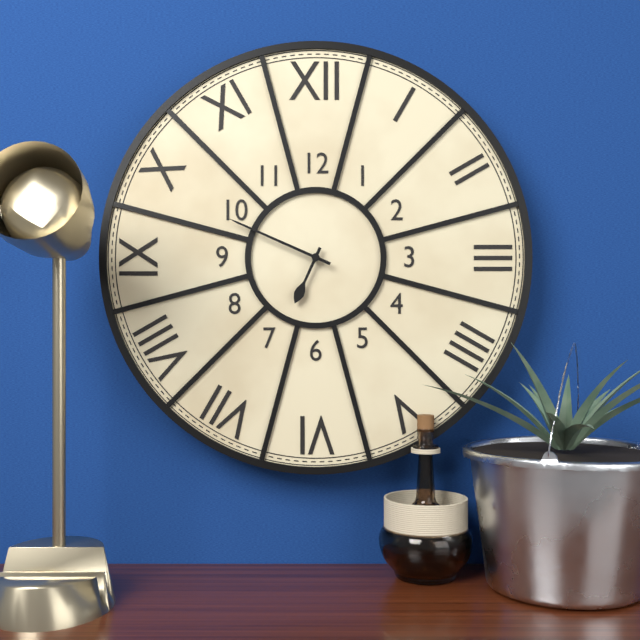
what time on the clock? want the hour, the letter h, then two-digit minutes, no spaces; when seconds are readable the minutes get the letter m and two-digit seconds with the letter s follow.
6h49
